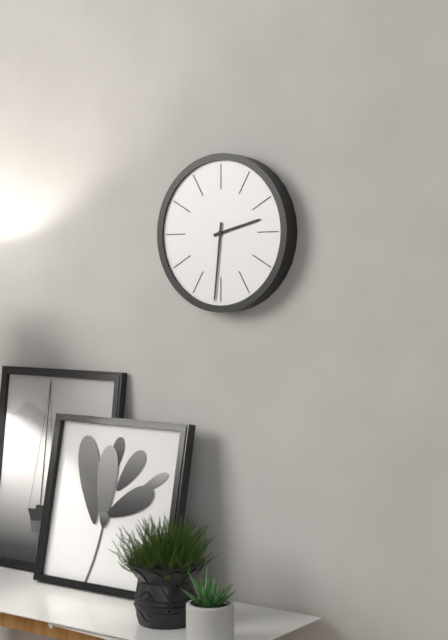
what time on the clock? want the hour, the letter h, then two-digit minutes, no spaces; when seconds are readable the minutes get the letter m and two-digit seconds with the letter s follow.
2h31
